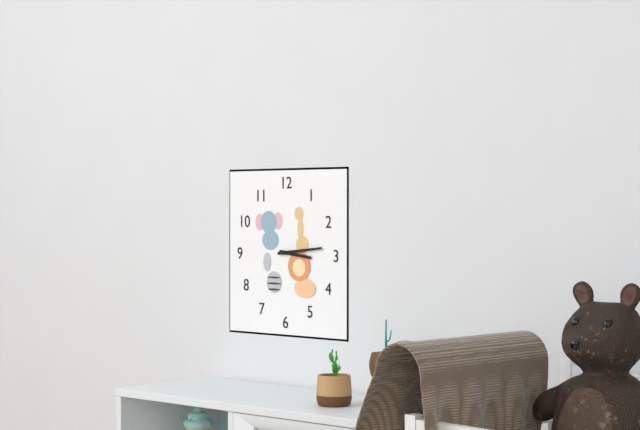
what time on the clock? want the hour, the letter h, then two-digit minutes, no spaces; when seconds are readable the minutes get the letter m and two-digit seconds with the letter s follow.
3h14
